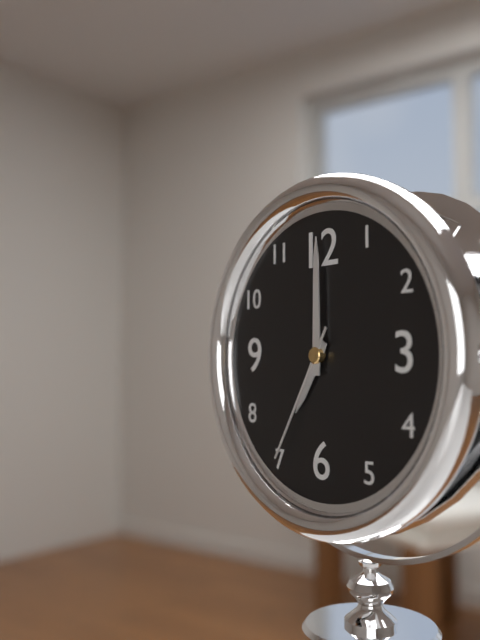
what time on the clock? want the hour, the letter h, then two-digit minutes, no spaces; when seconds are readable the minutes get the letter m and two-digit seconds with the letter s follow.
7h00m35s
